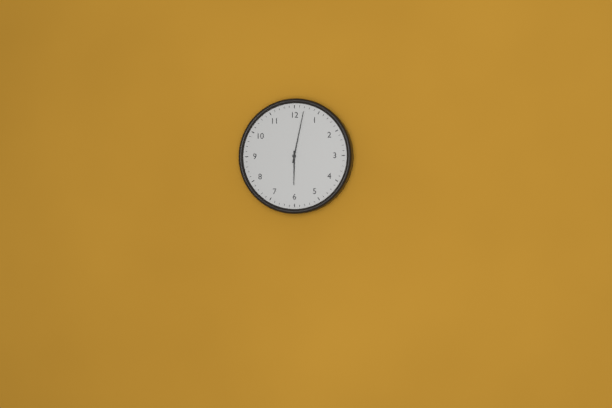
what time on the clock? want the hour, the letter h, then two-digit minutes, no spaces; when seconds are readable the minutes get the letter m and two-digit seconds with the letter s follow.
6h02
